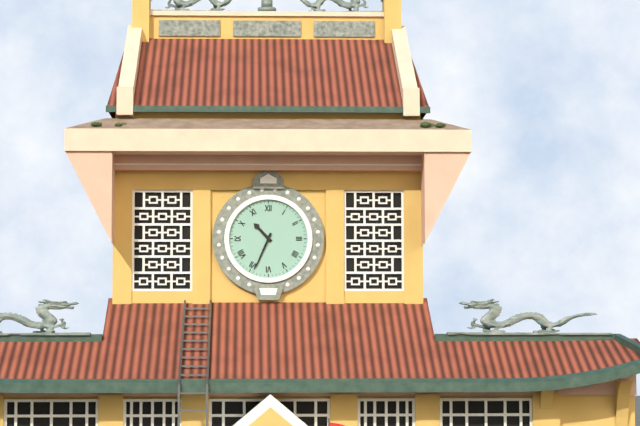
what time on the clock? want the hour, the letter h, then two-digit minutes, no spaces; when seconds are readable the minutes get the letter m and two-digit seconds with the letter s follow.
10h34
